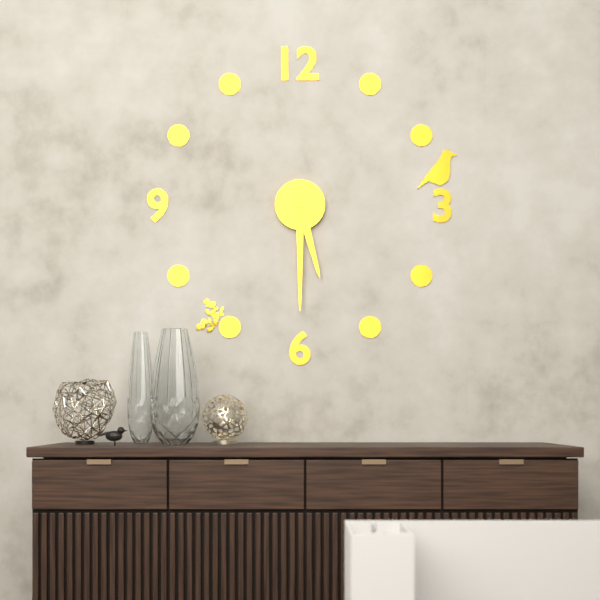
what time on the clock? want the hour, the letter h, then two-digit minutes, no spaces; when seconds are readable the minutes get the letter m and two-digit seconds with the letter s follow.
5h30
